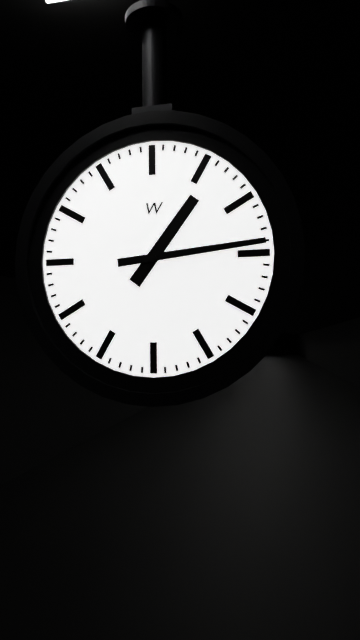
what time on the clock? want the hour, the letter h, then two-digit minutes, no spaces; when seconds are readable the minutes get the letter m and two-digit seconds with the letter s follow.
1h14
